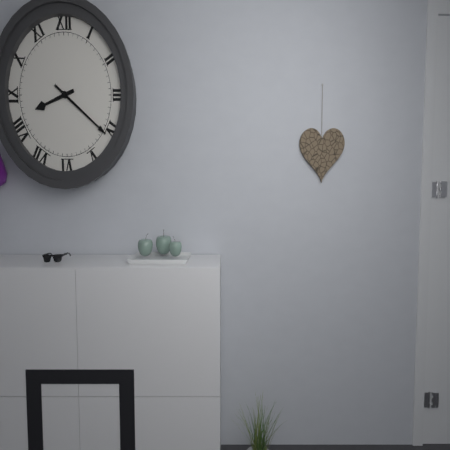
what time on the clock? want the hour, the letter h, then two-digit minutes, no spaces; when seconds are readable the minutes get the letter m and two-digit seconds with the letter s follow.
8h21
